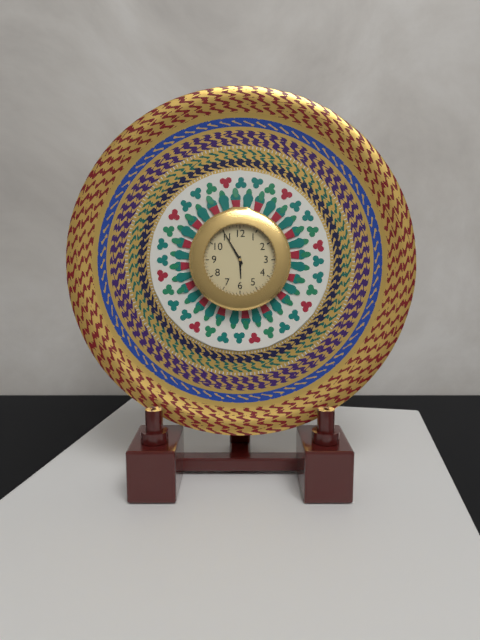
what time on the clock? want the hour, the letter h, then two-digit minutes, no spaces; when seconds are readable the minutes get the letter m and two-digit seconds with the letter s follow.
5h55
